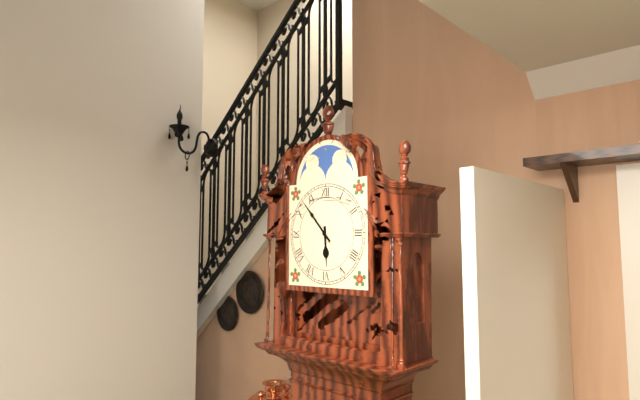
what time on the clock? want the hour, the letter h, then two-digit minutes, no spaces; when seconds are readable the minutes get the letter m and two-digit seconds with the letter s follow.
5h53
